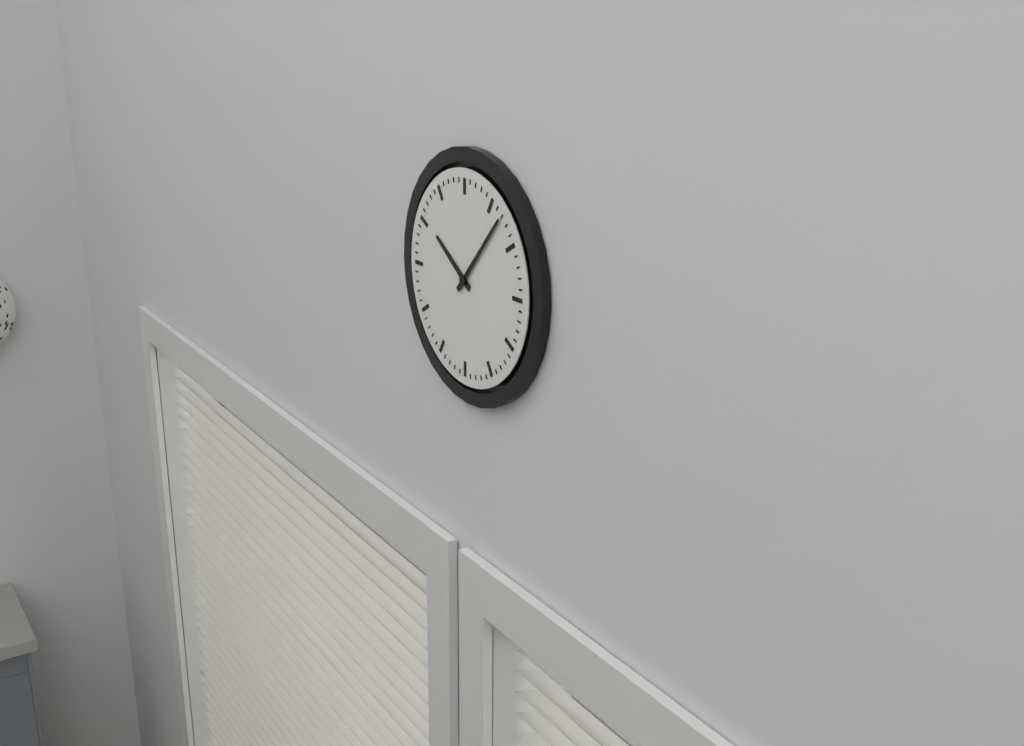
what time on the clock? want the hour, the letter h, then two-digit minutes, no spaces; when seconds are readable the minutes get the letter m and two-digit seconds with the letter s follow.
10h07
